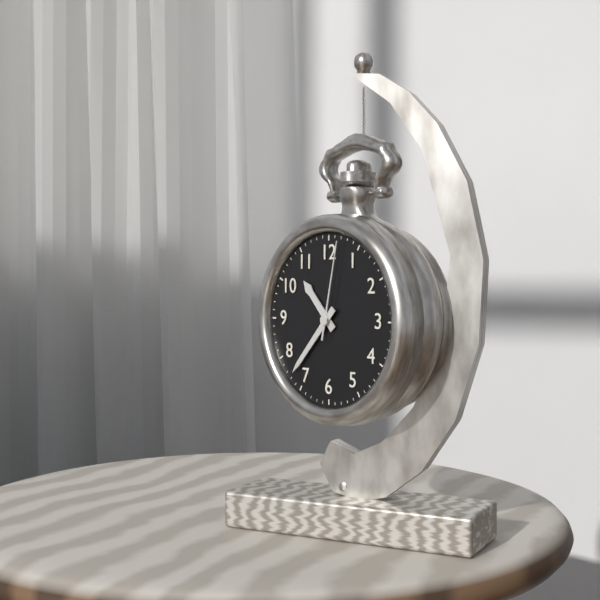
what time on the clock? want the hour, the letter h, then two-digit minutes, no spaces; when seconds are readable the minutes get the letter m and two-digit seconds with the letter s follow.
10h37m02s
